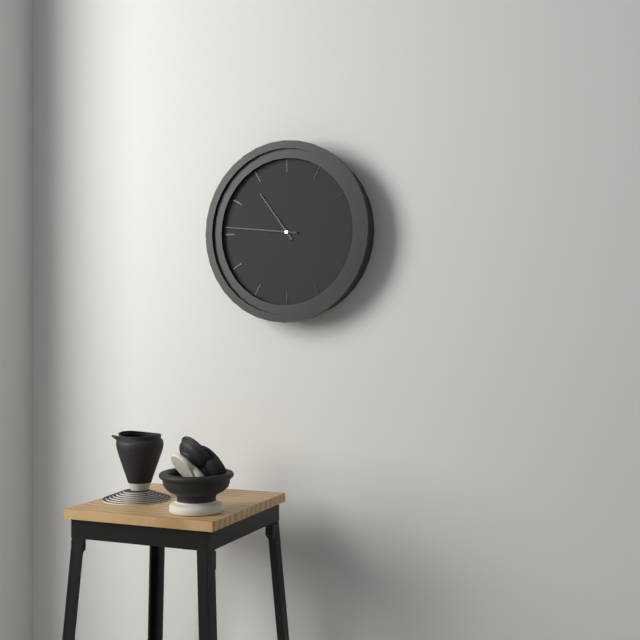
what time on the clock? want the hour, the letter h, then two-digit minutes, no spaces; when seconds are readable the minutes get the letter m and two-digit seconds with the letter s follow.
10h46
